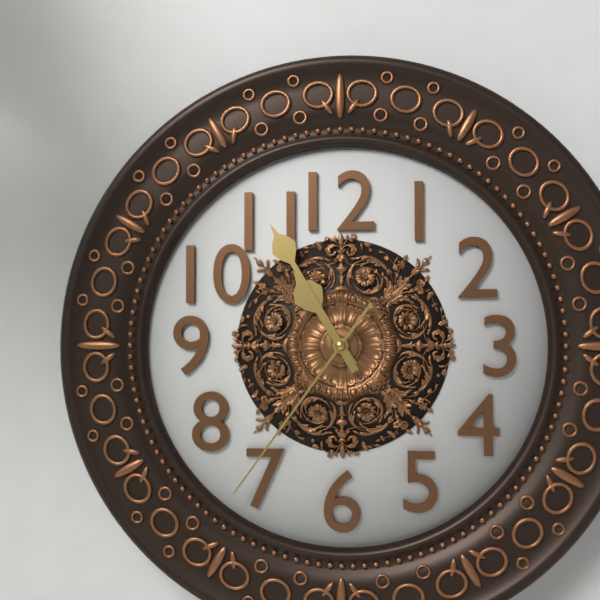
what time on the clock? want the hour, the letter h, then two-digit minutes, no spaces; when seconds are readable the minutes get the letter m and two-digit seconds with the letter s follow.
10h55m36s
